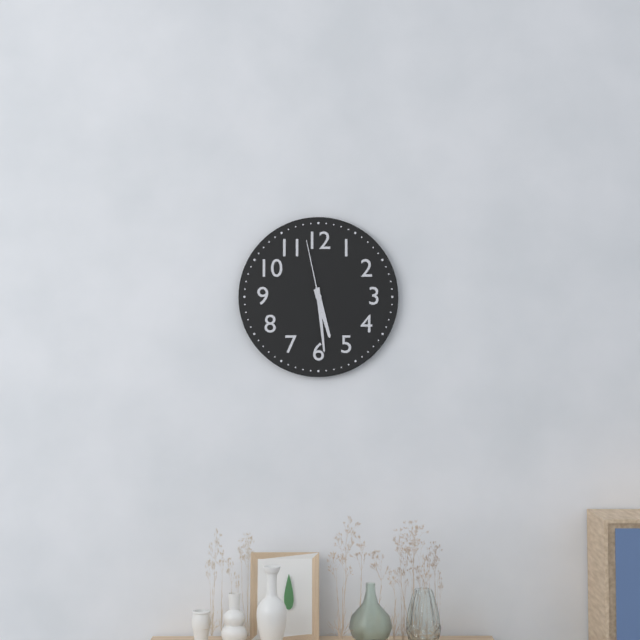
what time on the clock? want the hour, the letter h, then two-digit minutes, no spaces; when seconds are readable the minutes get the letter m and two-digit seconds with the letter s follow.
5h29m58s
